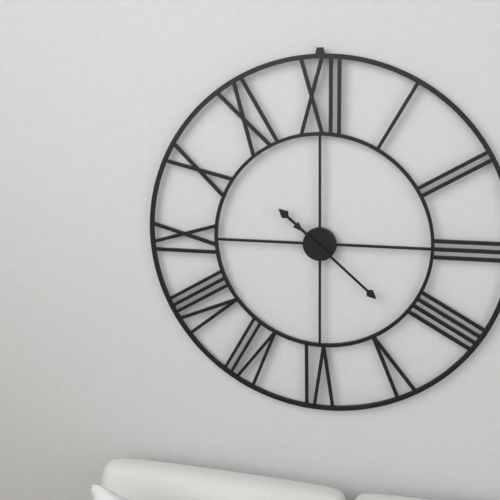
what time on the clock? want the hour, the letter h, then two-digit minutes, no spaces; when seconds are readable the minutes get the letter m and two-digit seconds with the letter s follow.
10h22
